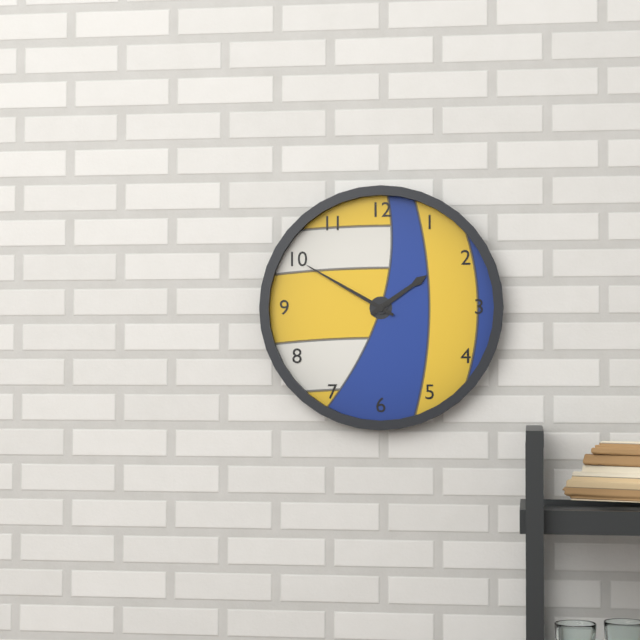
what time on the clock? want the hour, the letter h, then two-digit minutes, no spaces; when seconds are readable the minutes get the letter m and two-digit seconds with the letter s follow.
1h50
